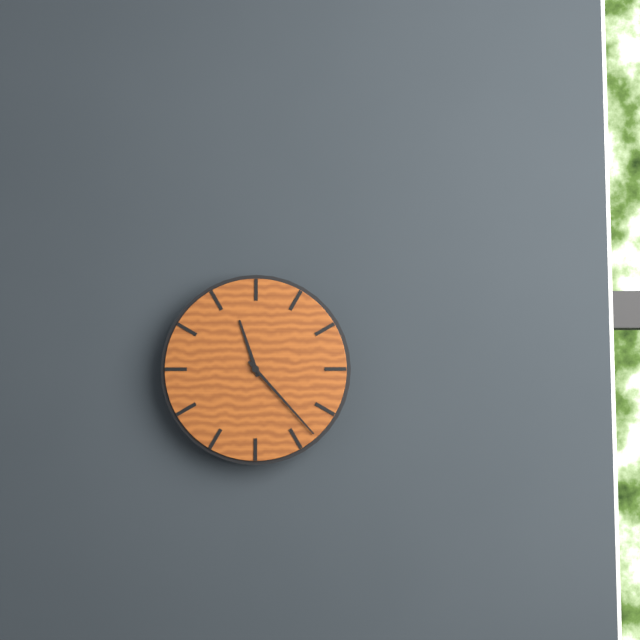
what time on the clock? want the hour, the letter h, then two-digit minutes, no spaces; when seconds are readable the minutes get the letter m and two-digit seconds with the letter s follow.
11h23
